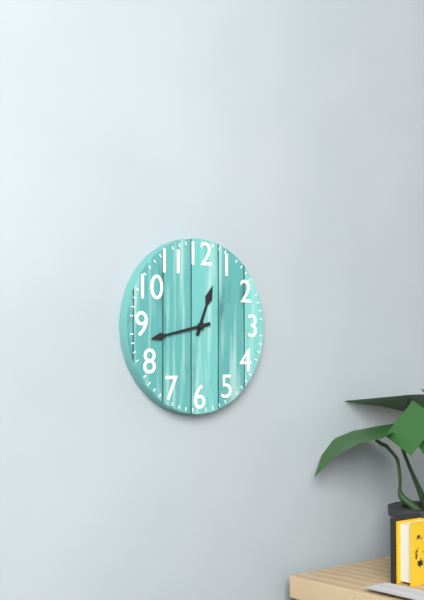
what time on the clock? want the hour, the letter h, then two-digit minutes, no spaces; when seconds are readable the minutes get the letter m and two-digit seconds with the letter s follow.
12h43
